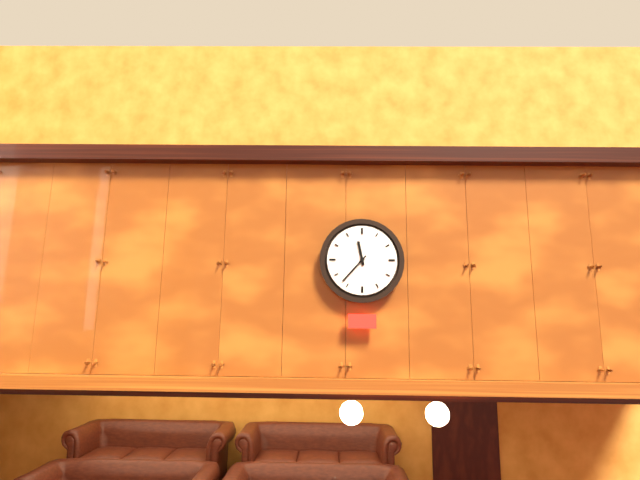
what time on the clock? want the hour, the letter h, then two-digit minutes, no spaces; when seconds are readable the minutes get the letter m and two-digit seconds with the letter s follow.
11h37
